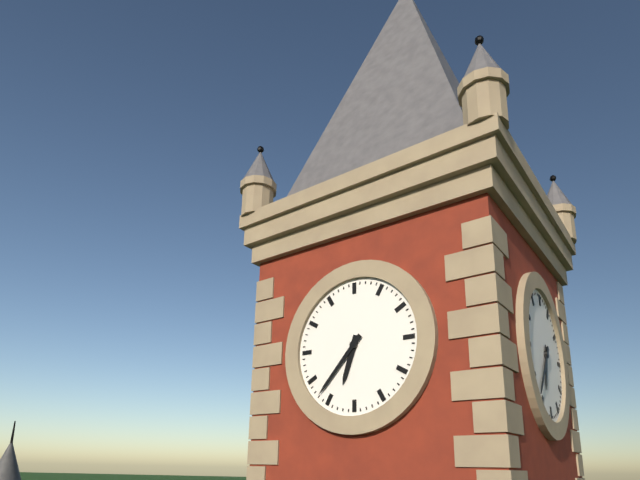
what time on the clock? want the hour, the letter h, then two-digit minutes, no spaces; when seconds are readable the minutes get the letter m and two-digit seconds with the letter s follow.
6h37
